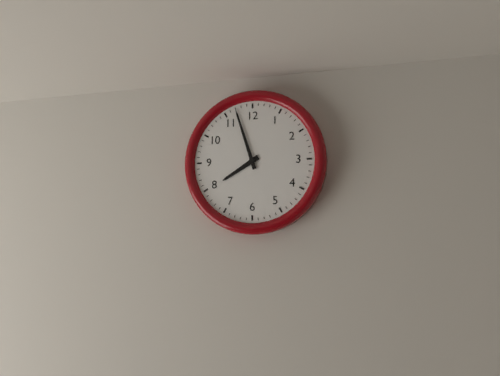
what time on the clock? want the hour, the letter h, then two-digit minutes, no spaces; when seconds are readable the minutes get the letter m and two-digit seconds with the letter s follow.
7h57
